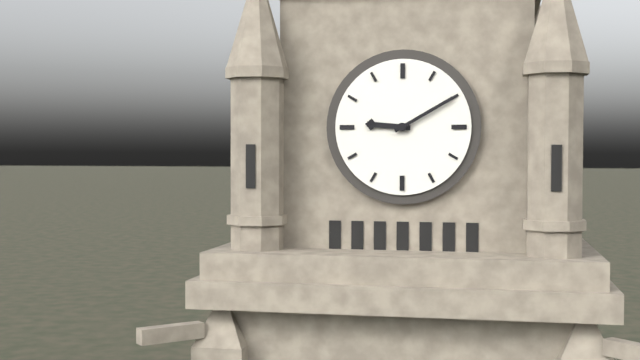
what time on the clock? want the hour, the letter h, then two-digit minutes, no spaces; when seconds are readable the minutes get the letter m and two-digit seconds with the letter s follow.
9h10
